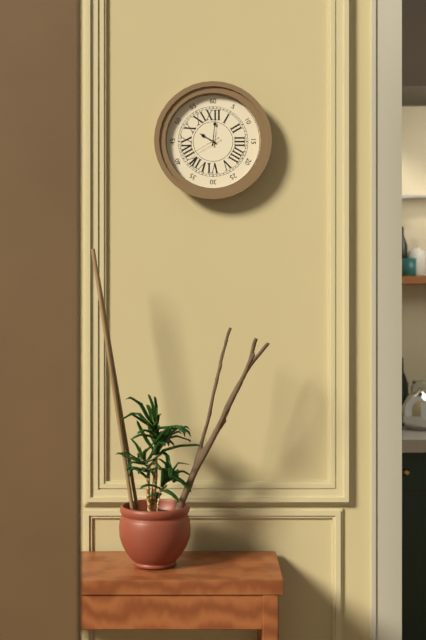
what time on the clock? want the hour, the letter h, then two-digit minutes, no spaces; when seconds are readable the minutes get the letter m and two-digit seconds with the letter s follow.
10h01
